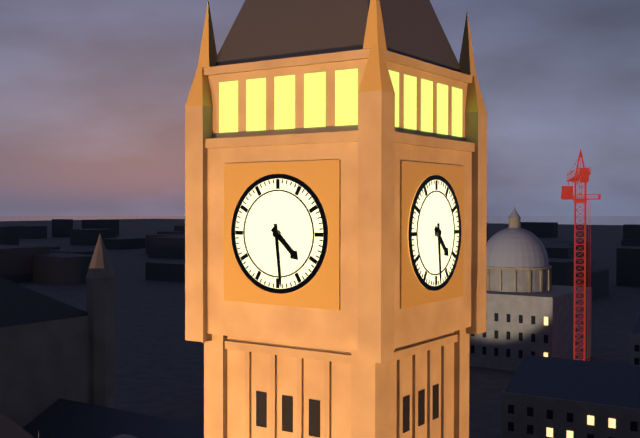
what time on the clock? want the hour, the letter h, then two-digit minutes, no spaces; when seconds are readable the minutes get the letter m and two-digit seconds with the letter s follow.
4h29
